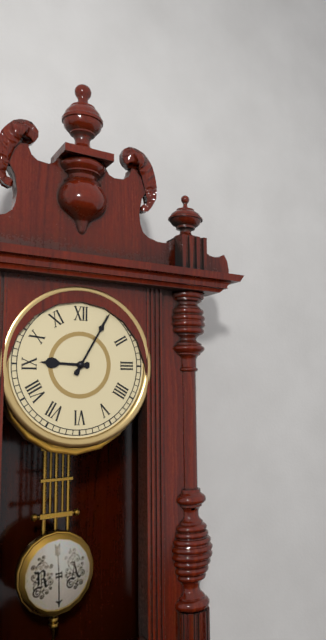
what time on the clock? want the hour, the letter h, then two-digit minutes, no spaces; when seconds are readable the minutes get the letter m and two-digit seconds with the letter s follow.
9h05
